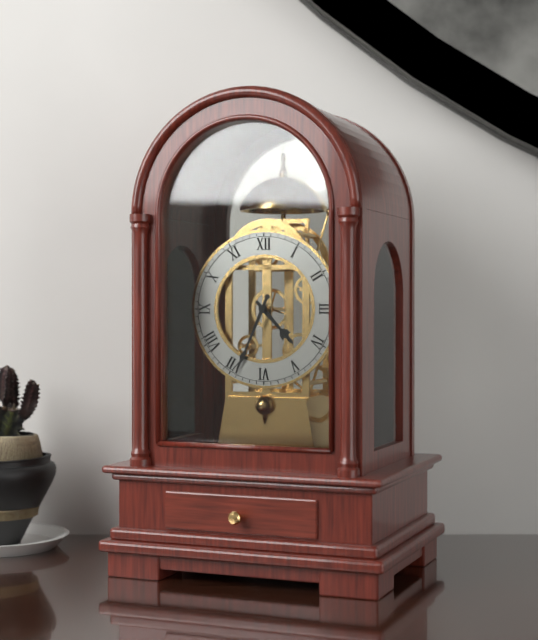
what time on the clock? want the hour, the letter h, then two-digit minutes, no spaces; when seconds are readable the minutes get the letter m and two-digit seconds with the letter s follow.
4h34
